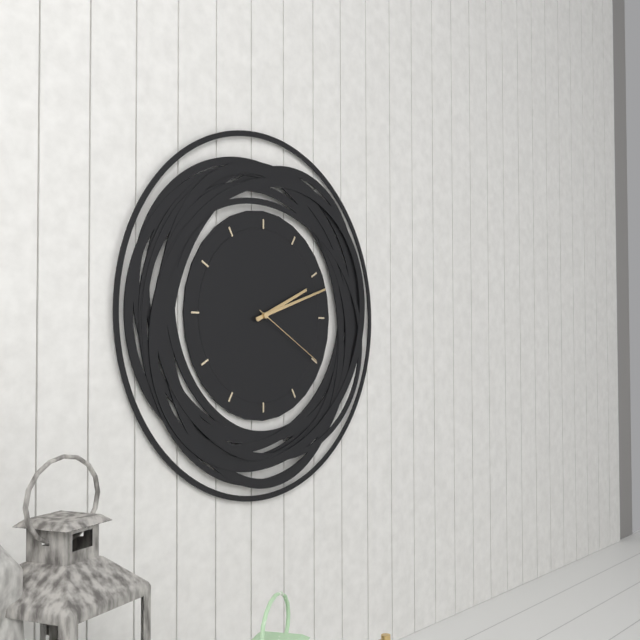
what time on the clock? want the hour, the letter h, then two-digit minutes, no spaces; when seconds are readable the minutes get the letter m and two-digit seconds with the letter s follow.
2h12m20s
